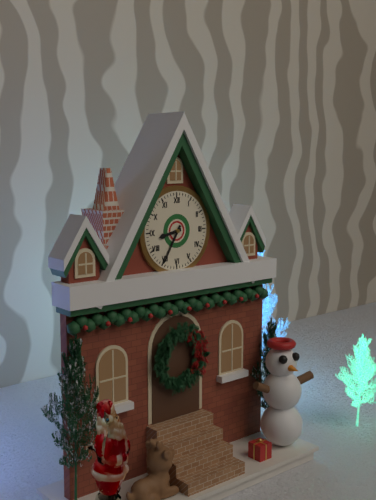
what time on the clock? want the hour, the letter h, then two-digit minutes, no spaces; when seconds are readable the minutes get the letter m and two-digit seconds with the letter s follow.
8h35
